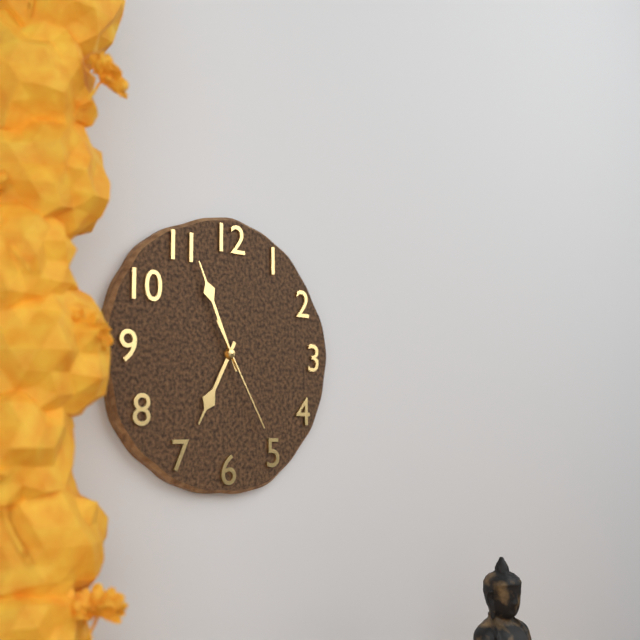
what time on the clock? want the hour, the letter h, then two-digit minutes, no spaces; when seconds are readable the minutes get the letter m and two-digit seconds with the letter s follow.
6h56m25s
